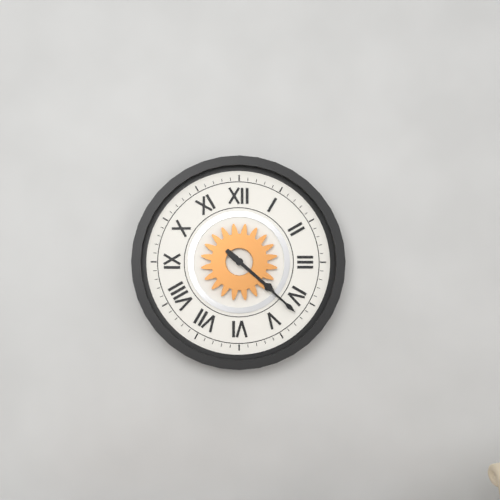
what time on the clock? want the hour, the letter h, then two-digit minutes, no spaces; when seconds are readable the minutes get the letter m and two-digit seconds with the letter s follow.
4h22
